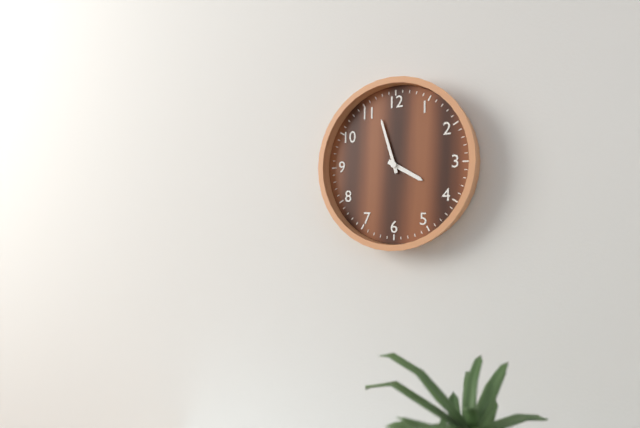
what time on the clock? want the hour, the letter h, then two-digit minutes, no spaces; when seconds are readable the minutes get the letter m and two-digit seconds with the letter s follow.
3h57
